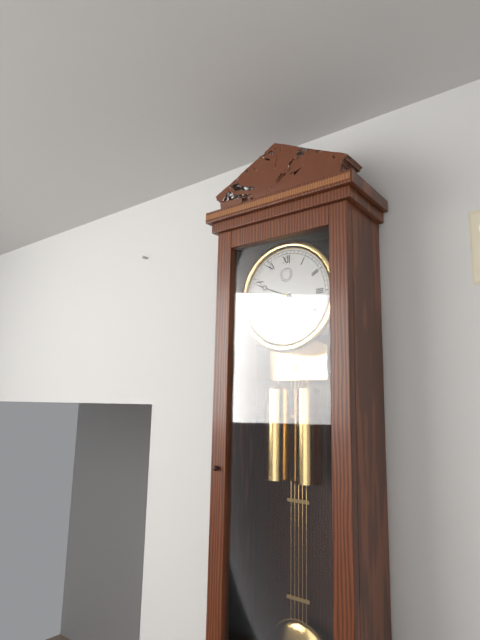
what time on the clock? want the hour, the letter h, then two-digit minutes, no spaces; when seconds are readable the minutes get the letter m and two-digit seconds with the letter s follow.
8h49
